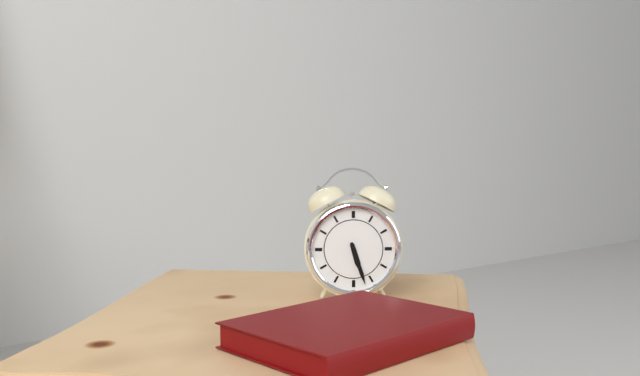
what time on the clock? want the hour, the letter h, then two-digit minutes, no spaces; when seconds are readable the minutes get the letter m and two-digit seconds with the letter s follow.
5h27
